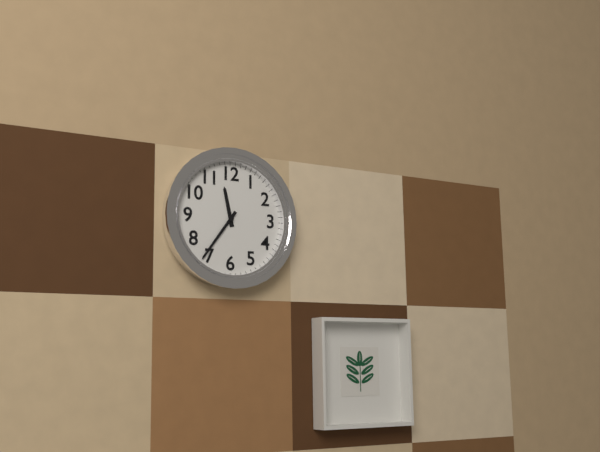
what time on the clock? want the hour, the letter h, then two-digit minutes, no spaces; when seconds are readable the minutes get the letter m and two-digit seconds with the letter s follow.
11h36
